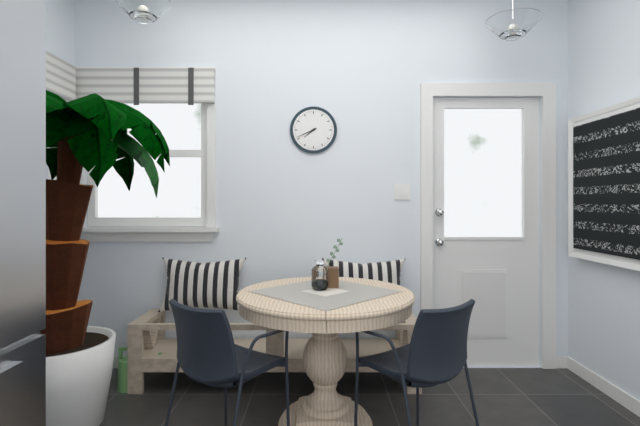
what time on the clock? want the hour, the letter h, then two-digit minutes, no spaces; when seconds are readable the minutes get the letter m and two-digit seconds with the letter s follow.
7h41
